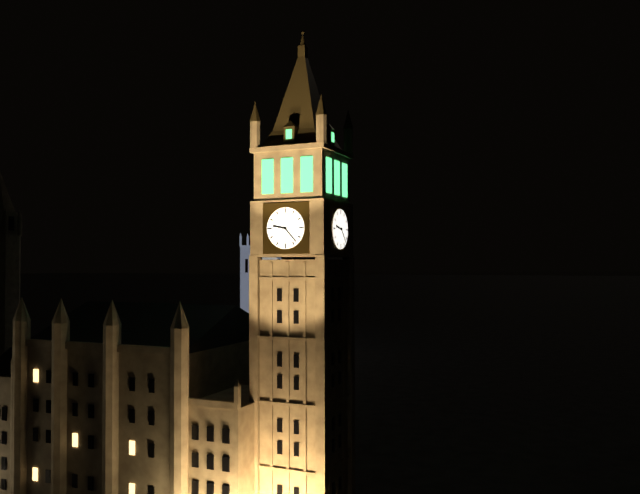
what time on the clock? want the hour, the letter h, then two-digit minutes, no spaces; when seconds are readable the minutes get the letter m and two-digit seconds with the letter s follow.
9h23
